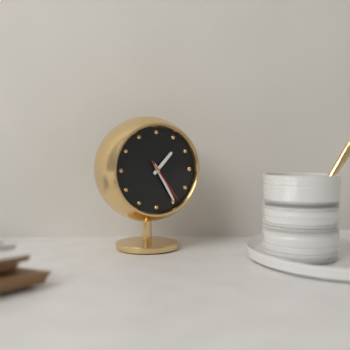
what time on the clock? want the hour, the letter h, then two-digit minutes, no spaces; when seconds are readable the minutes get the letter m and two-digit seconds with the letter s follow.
1h25
